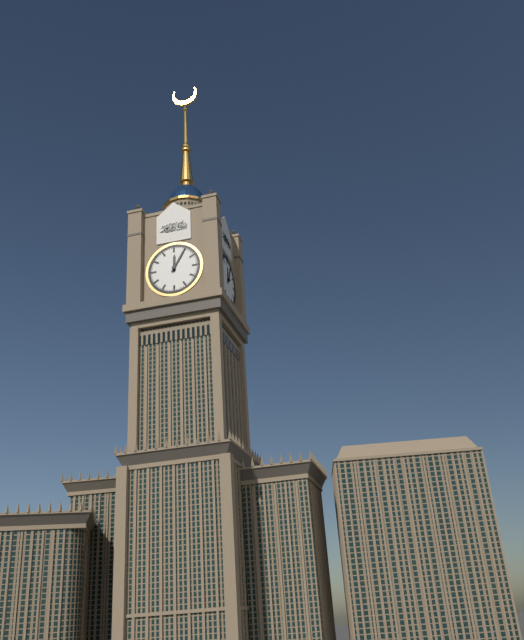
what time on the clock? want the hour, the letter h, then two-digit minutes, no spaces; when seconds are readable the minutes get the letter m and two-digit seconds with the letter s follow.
12h05
